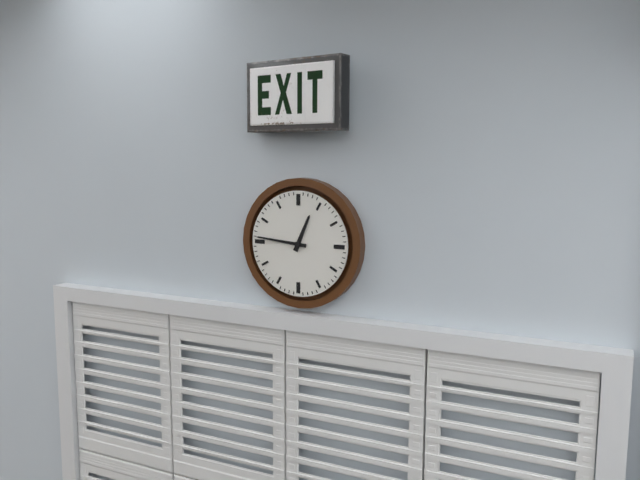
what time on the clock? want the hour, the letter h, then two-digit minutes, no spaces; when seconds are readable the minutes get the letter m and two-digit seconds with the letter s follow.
12h46
